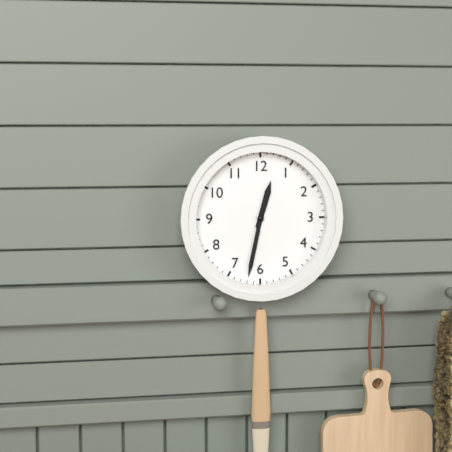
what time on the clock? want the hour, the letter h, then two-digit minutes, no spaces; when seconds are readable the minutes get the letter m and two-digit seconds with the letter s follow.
12h32
